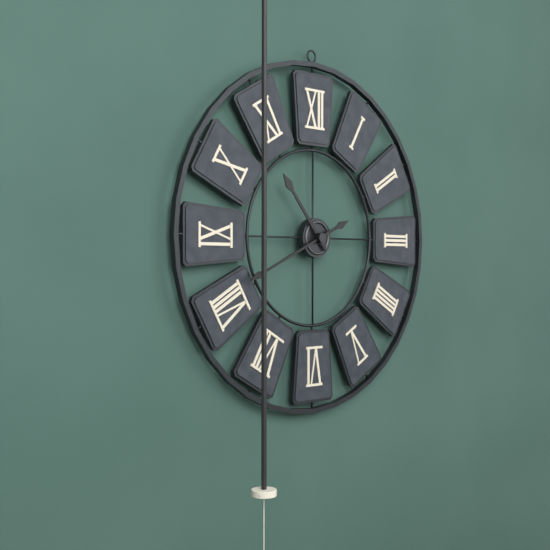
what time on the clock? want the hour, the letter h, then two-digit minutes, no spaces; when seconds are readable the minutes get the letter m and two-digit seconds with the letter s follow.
10h41
